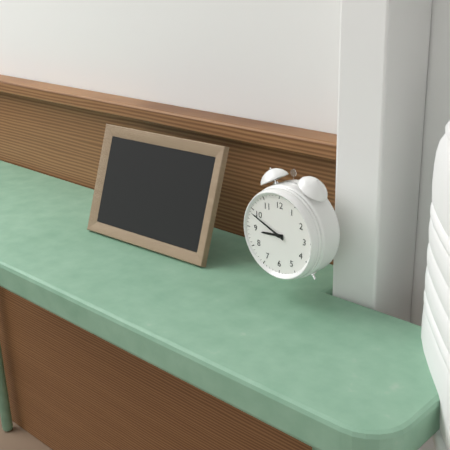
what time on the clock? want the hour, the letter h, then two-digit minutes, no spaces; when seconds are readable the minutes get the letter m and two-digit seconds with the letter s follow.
8h49
